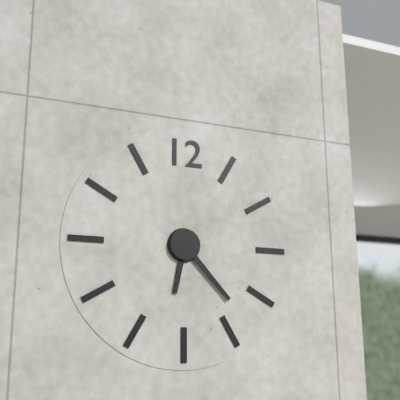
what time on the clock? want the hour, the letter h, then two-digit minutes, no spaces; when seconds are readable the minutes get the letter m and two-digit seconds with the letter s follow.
6h23
